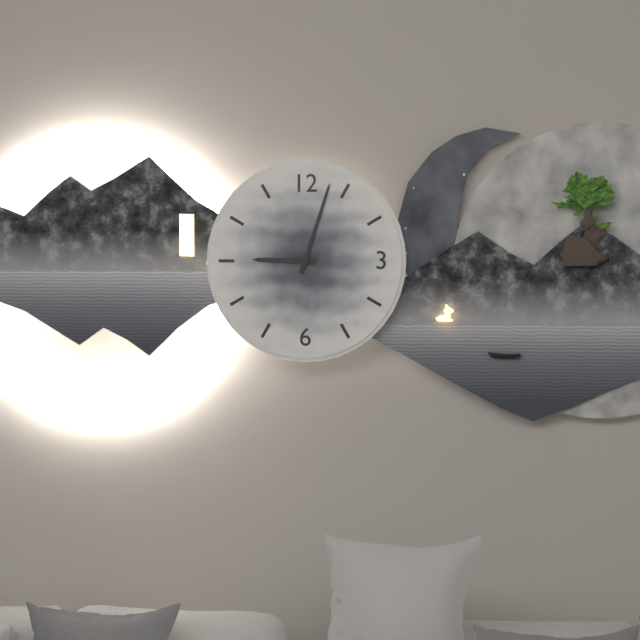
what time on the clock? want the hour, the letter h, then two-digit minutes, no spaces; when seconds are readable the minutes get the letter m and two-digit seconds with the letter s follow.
9h03
